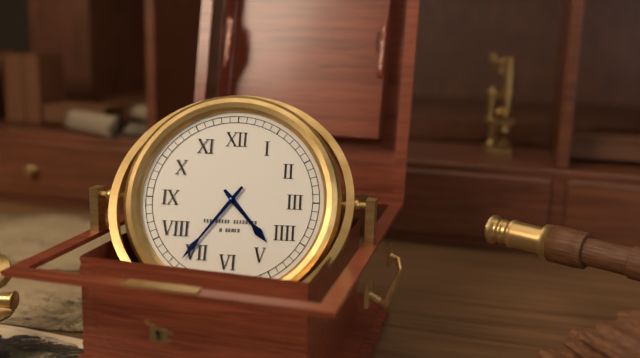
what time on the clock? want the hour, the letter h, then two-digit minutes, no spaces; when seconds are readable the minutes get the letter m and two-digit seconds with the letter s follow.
4h36
